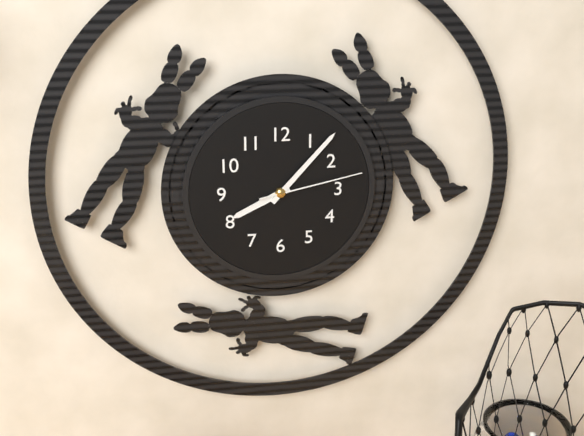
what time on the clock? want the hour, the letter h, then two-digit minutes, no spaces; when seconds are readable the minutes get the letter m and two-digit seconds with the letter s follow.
8h07m13s
